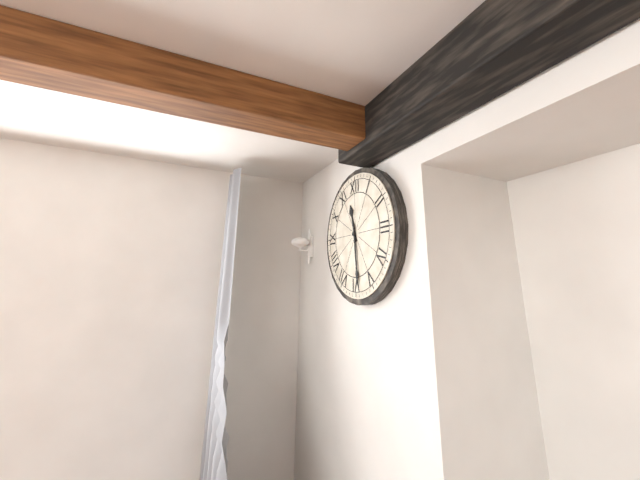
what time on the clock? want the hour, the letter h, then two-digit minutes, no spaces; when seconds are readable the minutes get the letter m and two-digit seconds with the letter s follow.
11h29
